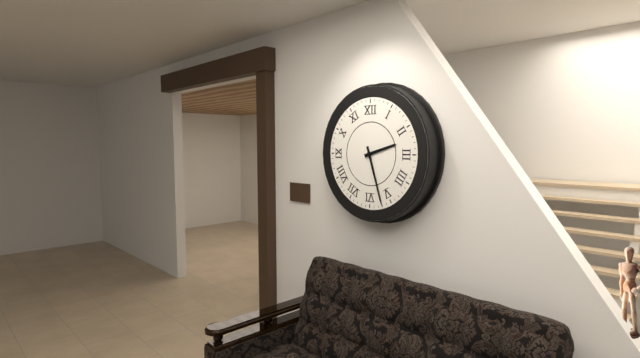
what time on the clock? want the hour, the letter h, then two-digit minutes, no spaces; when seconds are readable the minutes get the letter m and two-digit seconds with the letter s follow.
2h27
